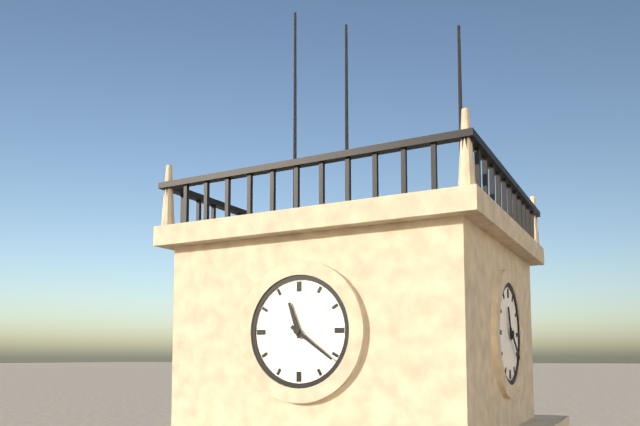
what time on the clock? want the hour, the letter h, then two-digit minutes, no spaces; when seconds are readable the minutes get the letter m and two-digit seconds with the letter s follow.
11h21
